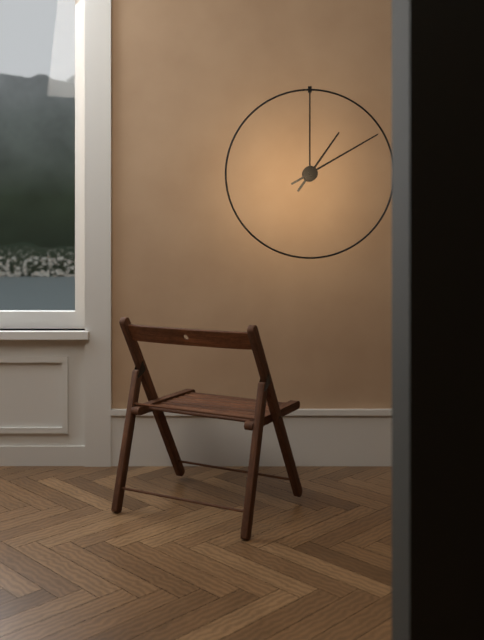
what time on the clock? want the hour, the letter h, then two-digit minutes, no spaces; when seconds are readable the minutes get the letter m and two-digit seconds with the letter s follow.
1h10
